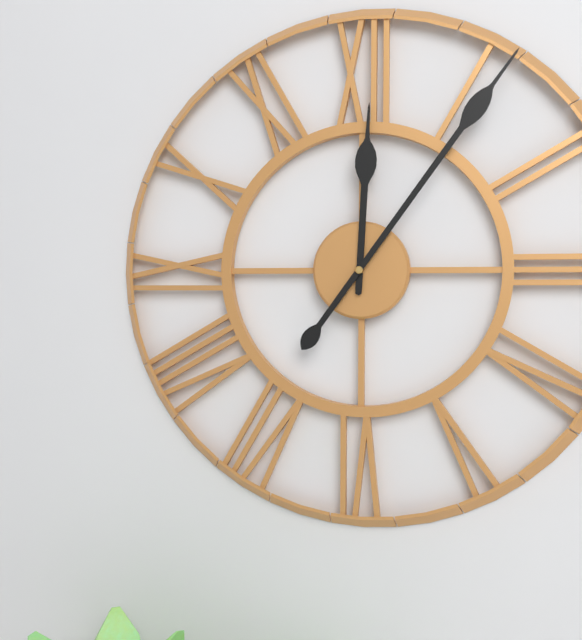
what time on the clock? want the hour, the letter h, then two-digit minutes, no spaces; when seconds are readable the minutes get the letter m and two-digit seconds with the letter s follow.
12h06
